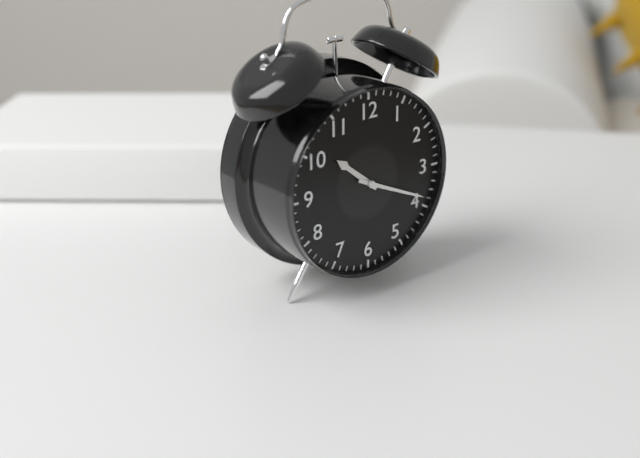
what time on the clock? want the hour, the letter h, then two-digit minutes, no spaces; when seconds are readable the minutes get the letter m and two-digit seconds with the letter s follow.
10h19
